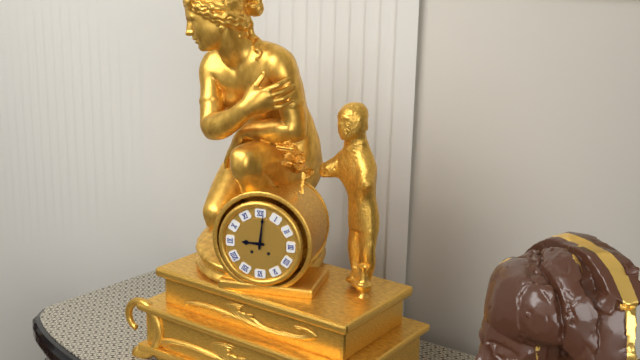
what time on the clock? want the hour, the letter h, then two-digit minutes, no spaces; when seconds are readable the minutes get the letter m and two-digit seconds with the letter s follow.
9h01
